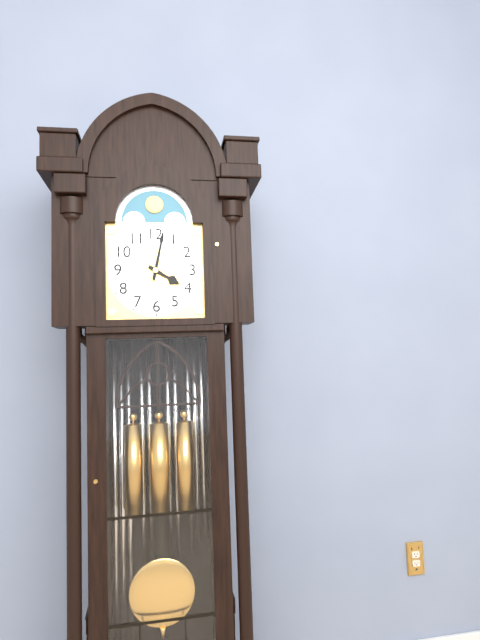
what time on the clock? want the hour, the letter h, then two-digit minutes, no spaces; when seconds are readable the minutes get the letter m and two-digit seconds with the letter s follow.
4h02
